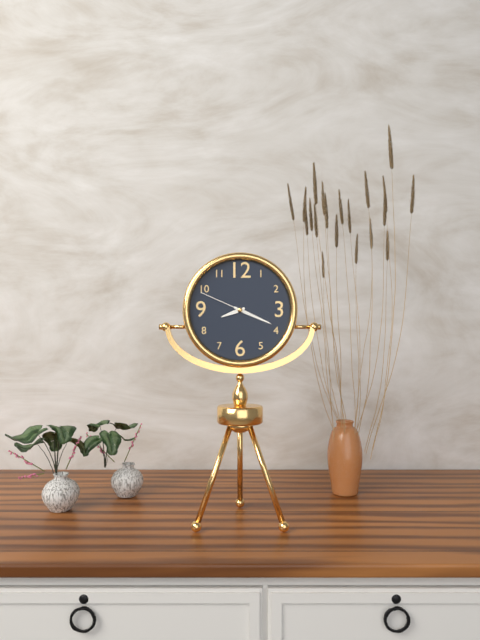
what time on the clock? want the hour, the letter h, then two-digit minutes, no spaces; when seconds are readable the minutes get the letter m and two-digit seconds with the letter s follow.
8h19m49s
